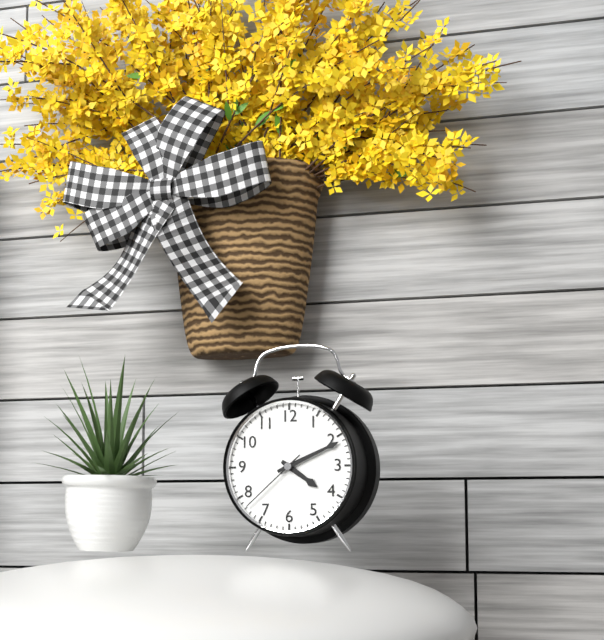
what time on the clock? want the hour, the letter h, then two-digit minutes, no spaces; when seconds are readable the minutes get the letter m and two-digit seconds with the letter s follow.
4h11m38s
